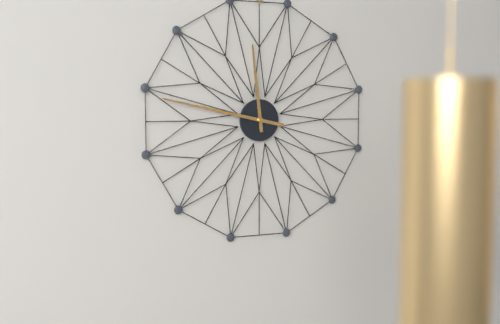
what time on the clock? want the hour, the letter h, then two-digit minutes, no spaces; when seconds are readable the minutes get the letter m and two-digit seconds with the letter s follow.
11h47
